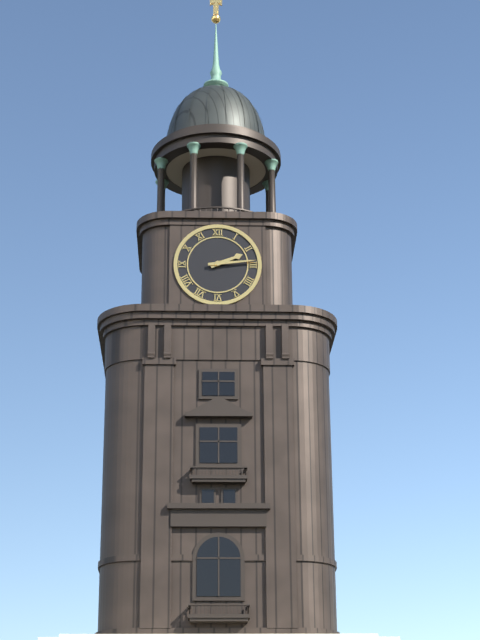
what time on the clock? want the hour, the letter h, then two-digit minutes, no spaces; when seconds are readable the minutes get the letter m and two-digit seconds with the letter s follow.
2h14
